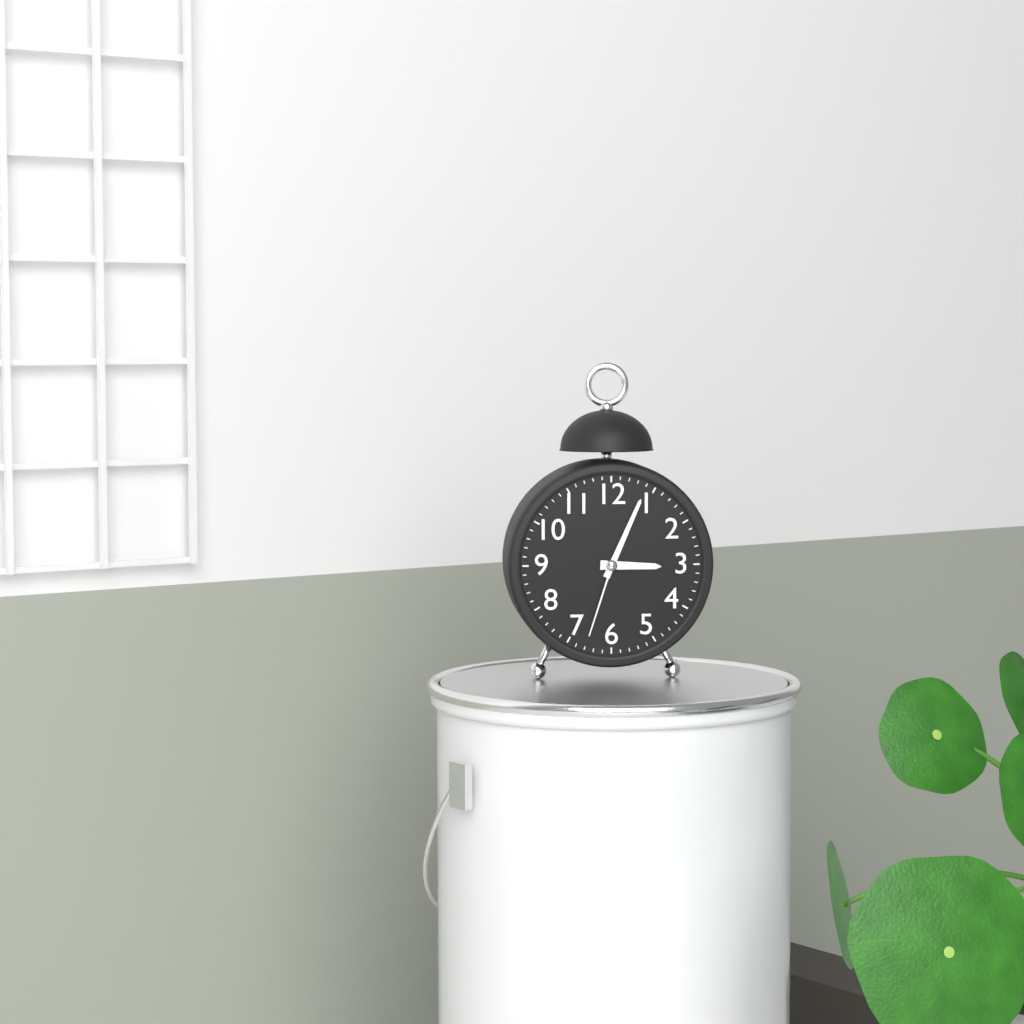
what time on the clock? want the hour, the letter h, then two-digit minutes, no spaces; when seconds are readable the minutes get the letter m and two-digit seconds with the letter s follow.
3h04m33s
